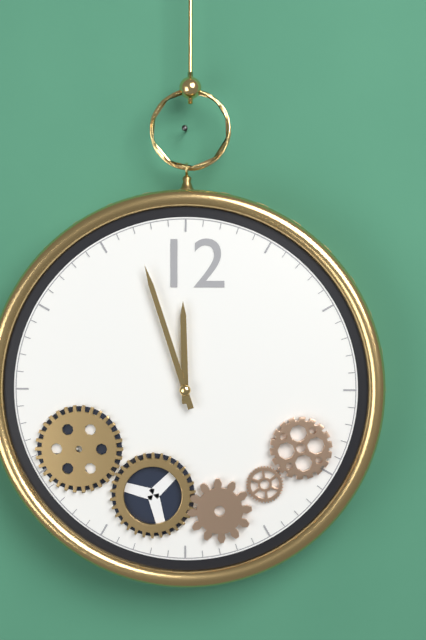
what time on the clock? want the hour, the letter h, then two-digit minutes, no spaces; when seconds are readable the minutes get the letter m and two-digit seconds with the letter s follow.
11h57
